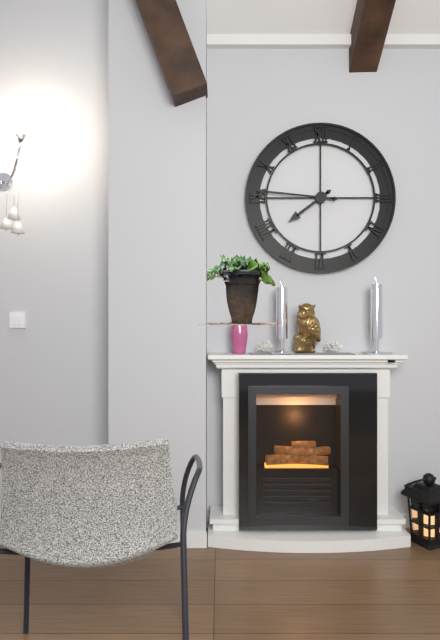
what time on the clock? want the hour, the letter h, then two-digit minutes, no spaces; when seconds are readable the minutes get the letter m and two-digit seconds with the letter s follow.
7h46
